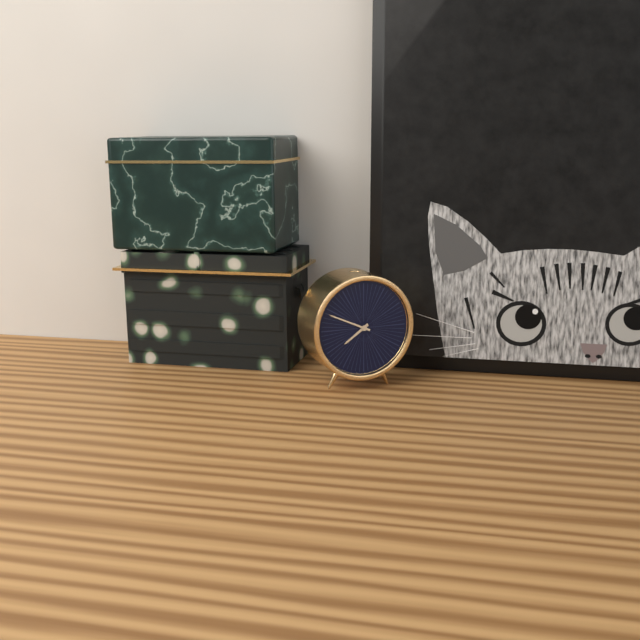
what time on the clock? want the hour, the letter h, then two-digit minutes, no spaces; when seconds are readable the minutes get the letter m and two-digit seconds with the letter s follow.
7h49
